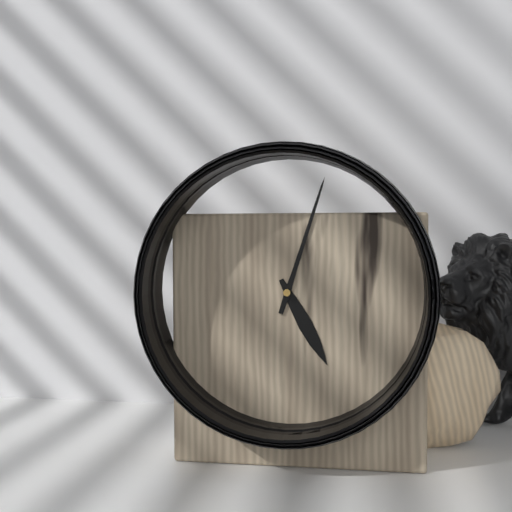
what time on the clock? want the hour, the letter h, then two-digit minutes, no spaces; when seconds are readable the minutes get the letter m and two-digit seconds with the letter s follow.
5h03
